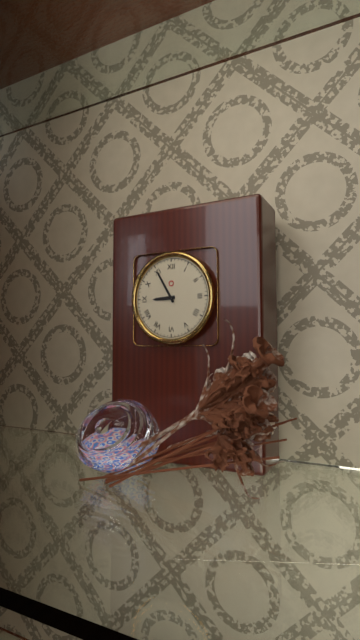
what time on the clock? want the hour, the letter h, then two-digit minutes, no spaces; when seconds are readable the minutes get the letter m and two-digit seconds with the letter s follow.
8h55
